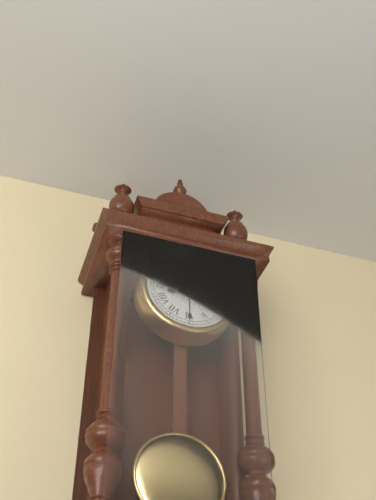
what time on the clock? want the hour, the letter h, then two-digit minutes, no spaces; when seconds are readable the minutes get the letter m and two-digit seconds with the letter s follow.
8h30
